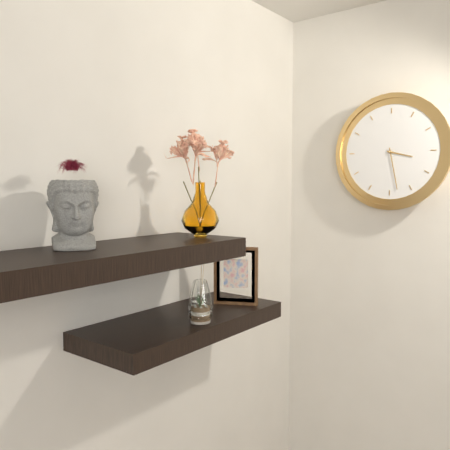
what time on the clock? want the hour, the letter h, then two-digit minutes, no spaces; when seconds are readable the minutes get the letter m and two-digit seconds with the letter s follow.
3h28
